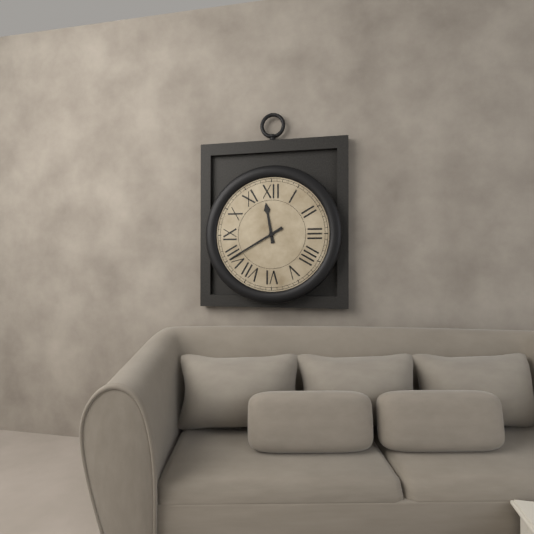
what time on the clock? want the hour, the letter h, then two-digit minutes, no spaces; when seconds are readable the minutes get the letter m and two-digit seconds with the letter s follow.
11h40
